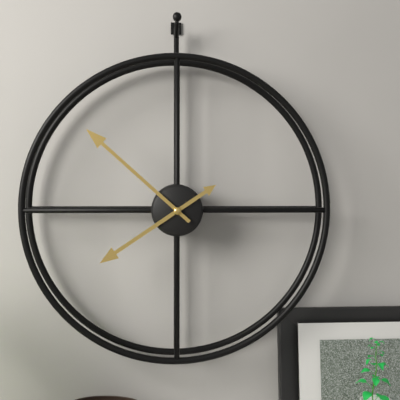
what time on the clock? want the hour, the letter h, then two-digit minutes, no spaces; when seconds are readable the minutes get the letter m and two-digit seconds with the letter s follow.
7h52
